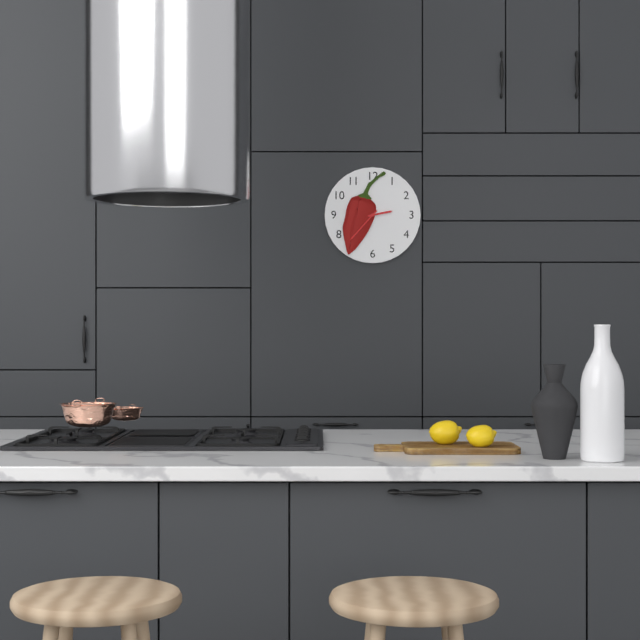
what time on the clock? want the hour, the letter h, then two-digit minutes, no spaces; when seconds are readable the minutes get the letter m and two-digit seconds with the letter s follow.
2h37
